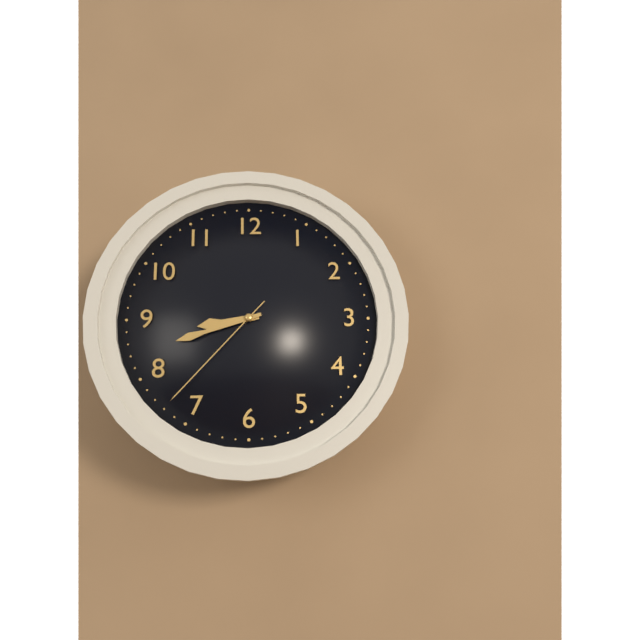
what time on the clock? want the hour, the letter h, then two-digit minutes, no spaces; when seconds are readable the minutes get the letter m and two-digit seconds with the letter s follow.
8h42m37s
